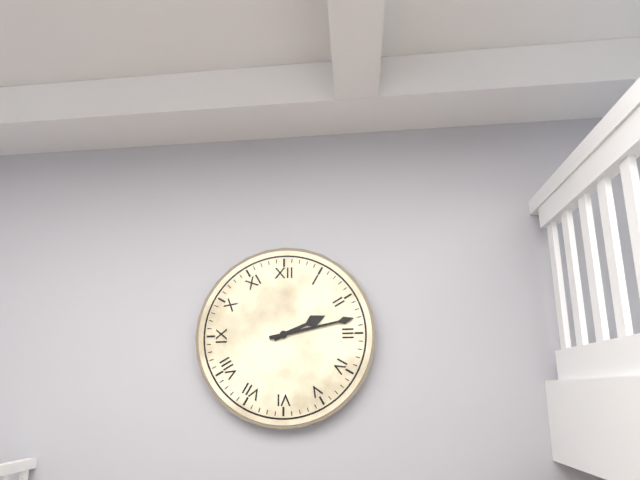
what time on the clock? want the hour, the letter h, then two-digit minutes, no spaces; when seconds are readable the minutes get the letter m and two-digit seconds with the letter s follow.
2h13
